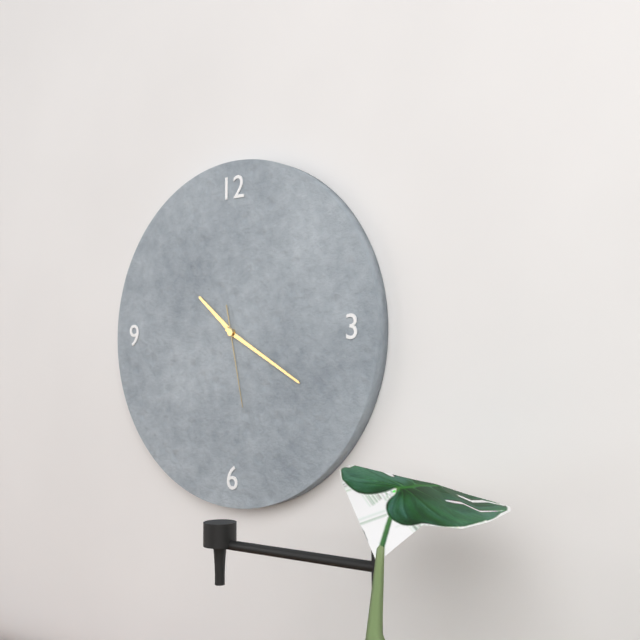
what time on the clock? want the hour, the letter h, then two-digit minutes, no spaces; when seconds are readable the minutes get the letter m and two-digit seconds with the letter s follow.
10h20m28s
